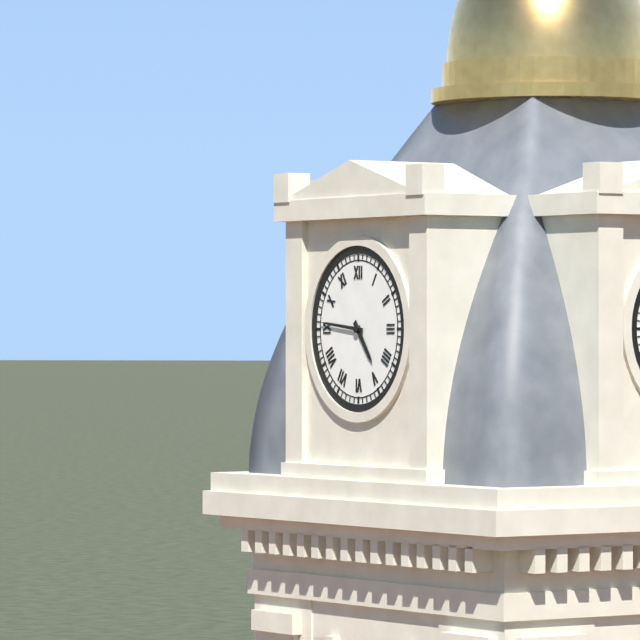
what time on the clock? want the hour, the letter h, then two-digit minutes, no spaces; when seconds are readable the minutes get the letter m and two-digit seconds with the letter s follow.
4h46
